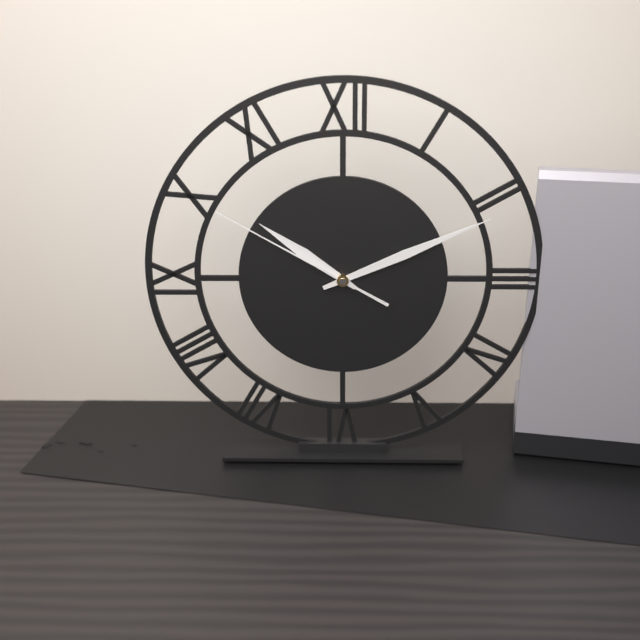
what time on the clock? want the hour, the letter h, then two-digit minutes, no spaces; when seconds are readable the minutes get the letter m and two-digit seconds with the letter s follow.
10h11m50s
